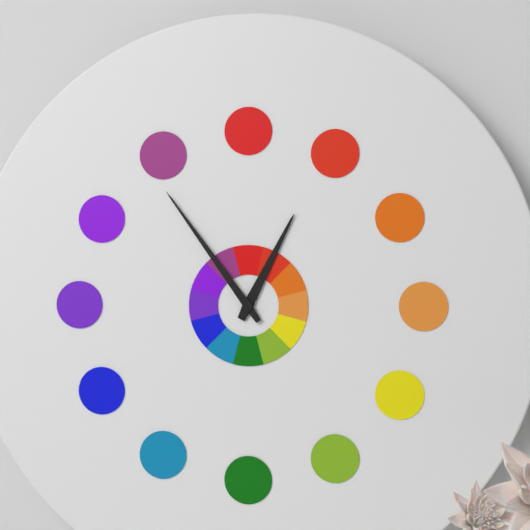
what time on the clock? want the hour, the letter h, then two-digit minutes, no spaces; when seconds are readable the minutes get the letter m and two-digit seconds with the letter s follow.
12h54
